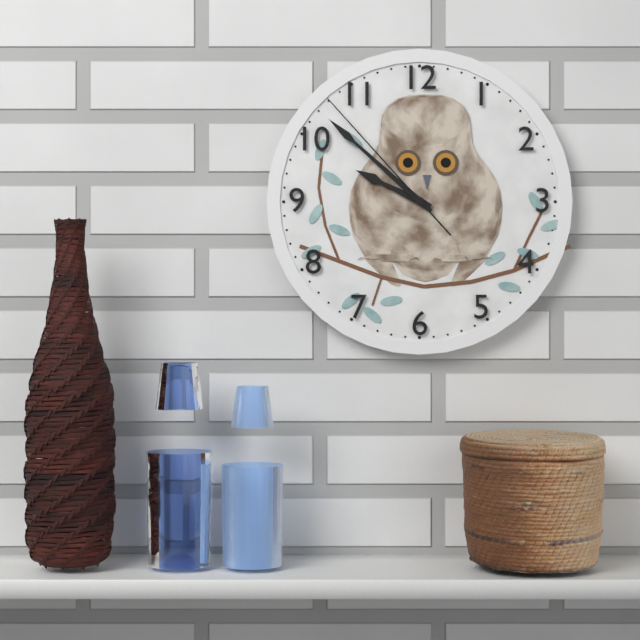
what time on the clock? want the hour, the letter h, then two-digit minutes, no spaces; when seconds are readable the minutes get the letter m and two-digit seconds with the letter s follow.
9h52m53s
